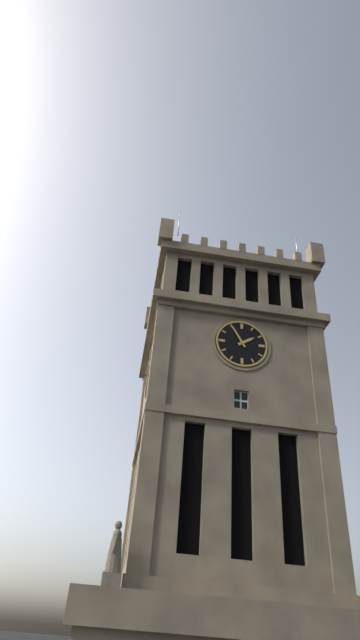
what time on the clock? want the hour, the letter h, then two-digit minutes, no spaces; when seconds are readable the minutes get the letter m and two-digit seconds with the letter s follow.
1h55
